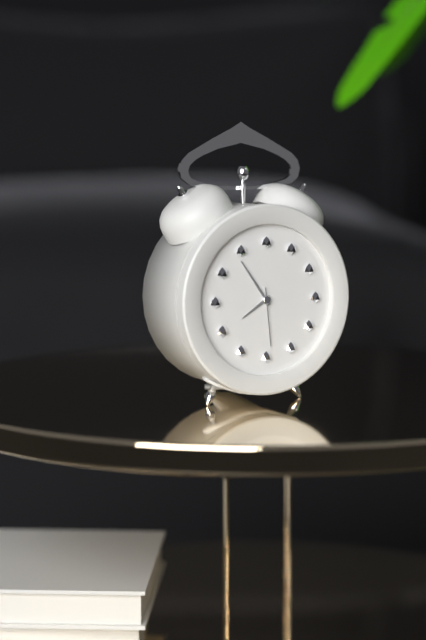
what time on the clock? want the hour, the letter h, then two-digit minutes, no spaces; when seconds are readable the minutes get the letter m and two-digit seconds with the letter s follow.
7h54m29s
